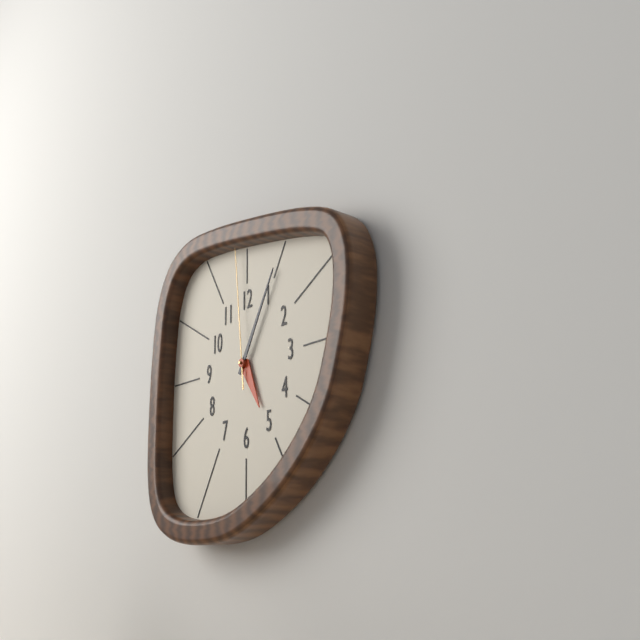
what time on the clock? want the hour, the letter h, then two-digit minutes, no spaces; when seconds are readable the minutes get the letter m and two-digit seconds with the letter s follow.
5h05m59s
